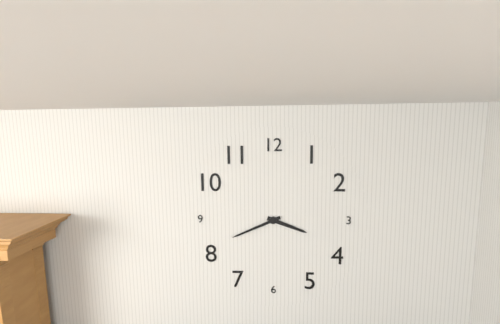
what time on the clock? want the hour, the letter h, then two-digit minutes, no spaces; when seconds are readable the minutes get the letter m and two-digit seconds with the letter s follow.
3h41
